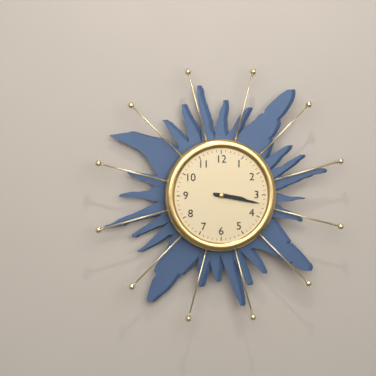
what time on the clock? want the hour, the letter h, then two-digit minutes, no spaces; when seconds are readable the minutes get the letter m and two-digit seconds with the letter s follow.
3h17
